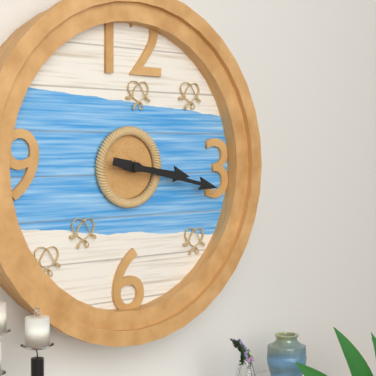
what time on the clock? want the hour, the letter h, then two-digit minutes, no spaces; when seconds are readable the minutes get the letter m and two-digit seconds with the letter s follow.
3h17
